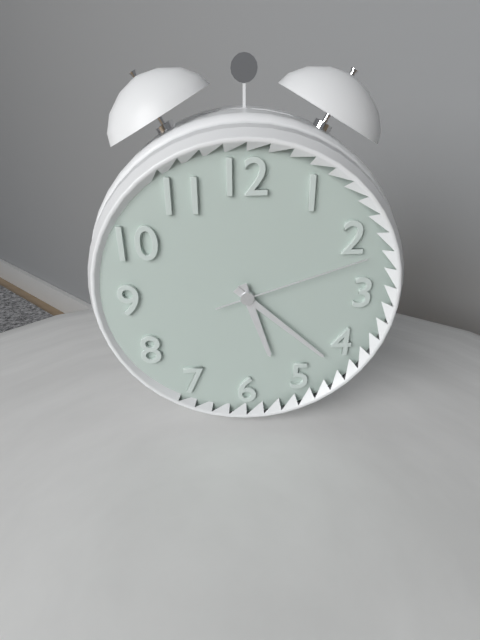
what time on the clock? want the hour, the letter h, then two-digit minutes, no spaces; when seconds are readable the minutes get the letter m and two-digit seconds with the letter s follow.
5h22m12s
